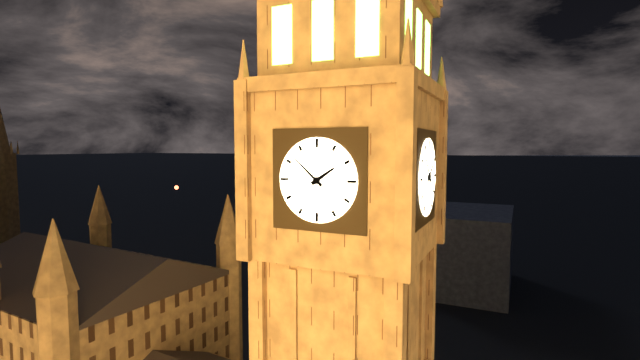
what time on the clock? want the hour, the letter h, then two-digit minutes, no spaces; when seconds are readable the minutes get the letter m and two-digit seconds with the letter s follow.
1h52
